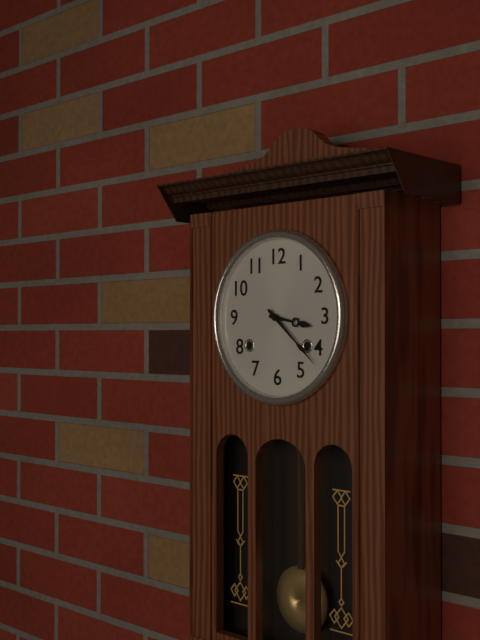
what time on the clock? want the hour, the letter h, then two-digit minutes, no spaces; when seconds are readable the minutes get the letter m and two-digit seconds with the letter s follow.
3h22
